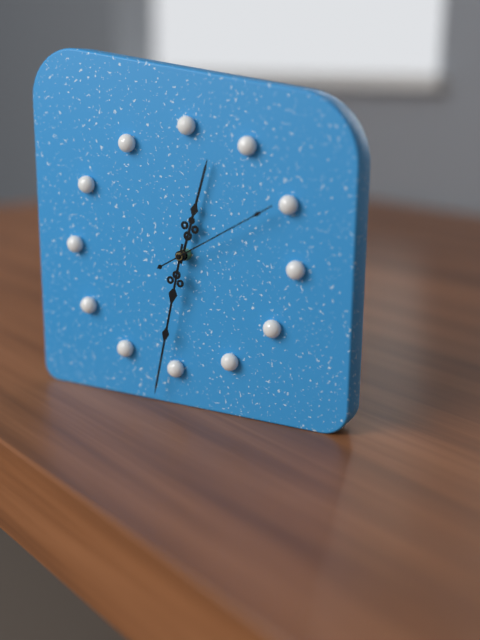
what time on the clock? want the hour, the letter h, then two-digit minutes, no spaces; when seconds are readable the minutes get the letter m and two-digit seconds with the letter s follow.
12h32m10s
